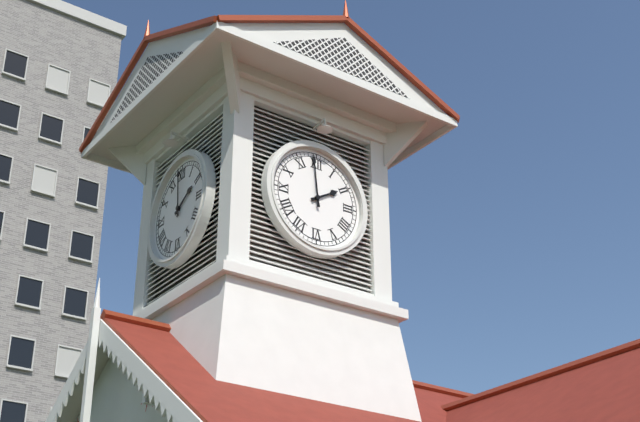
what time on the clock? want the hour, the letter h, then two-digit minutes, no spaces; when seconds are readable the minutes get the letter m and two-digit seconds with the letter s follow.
1h59
